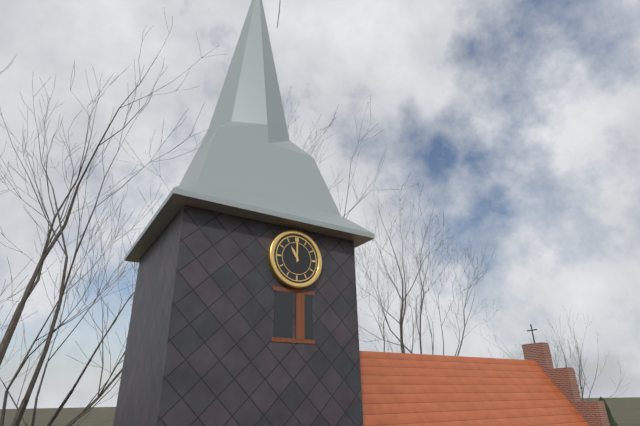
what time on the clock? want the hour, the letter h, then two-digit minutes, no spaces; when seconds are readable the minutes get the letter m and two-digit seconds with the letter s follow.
11h00
